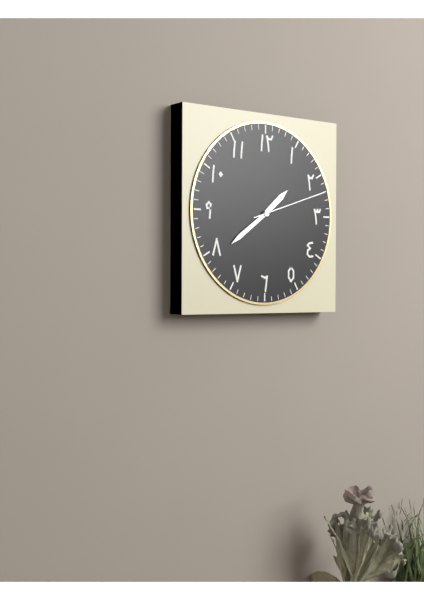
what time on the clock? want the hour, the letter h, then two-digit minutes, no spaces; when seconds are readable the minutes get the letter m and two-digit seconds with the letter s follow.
1h39m12s
